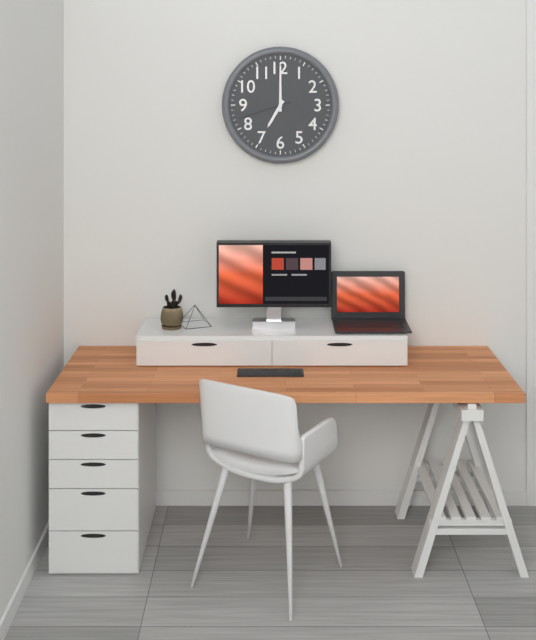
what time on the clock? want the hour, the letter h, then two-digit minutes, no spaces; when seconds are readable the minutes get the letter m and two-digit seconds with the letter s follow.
7h00m42s
